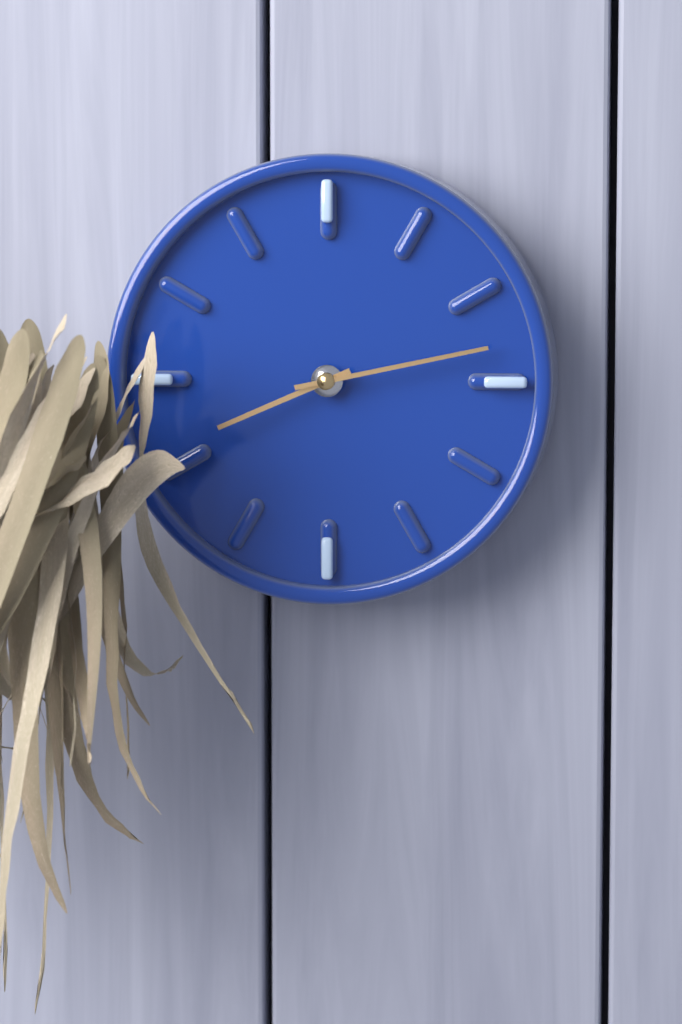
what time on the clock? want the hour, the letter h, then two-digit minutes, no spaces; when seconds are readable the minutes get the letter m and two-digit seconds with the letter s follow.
8h13
